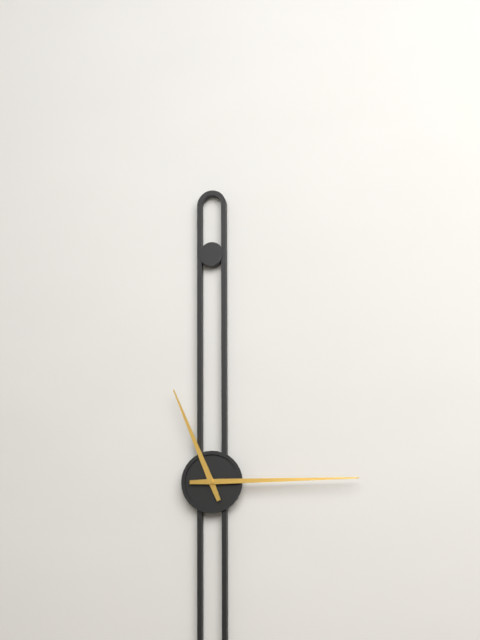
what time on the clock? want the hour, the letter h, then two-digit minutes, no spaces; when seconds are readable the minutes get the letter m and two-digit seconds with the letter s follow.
11h15
